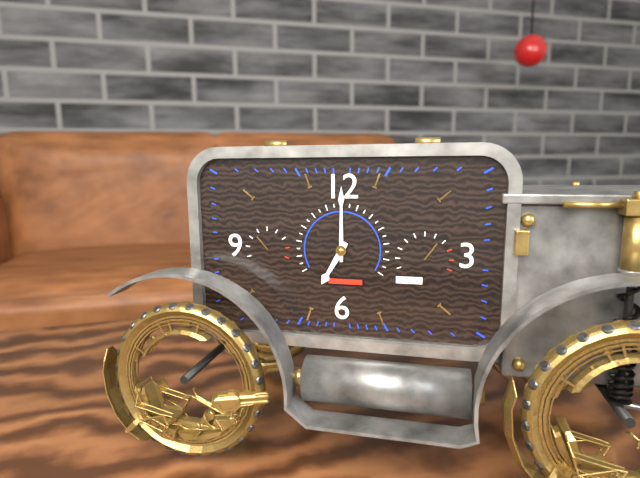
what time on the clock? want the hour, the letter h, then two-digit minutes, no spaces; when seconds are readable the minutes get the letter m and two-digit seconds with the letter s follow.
7h00
